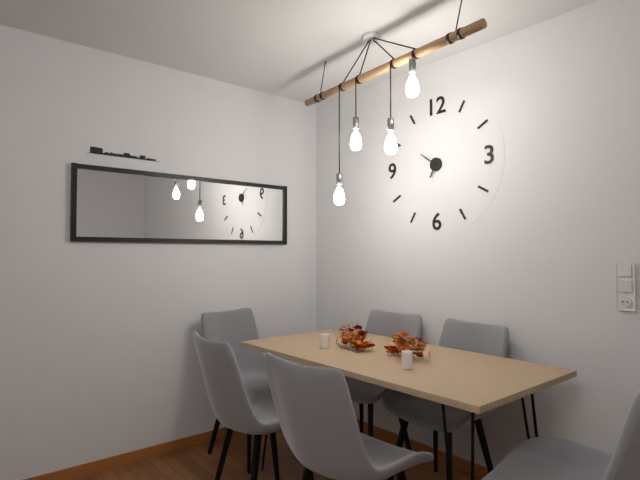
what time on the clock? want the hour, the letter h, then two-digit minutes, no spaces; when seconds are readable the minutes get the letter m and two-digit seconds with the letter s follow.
6h51
